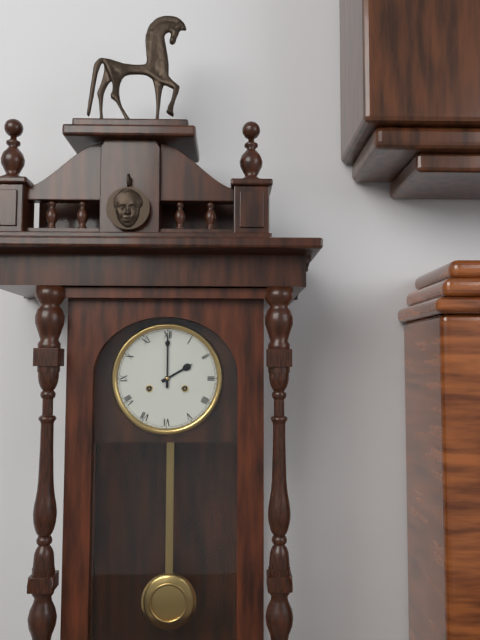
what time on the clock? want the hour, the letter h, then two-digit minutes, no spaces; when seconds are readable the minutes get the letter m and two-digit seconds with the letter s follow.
2h00
